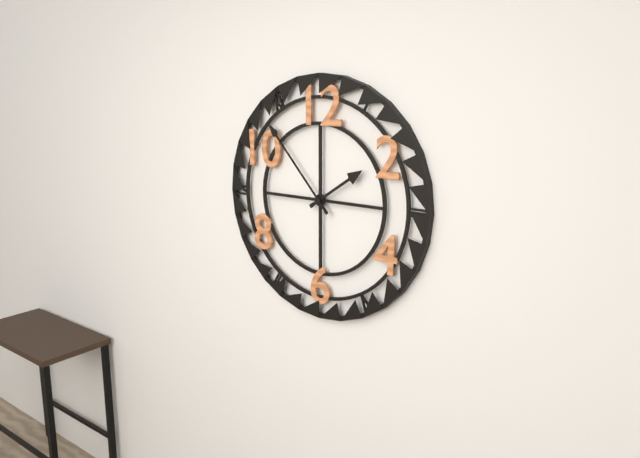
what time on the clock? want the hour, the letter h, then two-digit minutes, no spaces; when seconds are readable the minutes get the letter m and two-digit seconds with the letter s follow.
1h53
